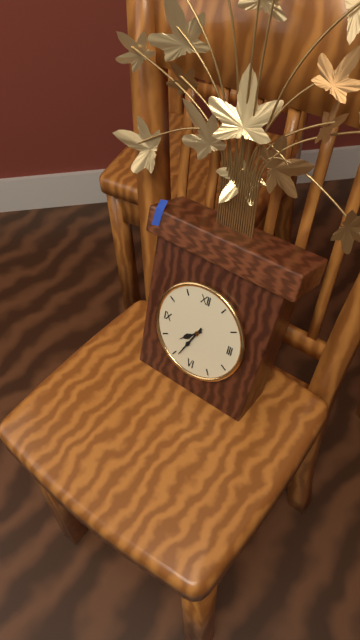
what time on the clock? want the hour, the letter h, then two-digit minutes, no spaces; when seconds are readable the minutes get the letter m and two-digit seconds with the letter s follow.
7h34
